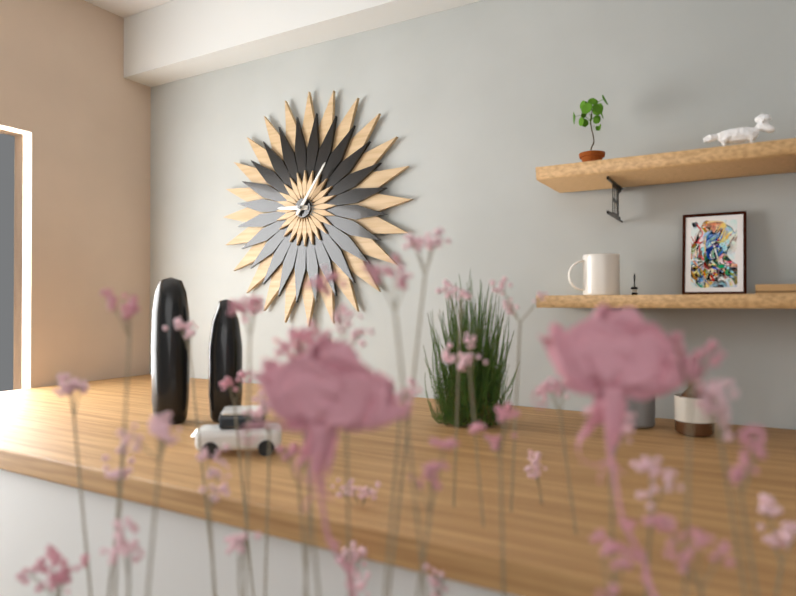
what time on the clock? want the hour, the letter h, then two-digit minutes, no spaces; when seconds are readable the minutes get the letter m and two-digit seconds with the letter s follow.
9h06
